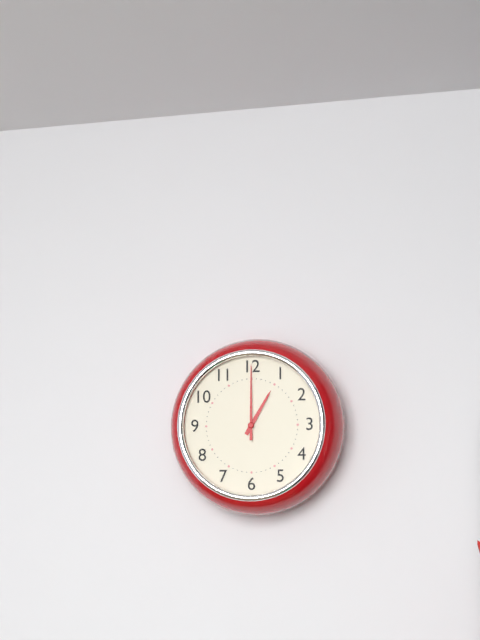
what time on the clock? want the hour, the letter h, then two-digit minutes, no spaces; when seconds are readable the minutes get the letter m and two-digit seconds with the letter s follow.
1h00
